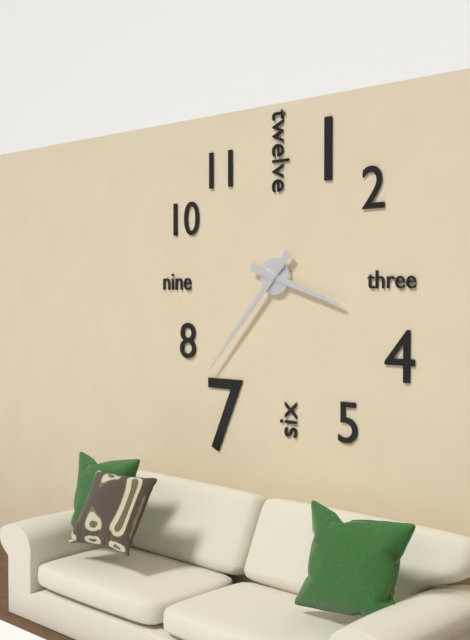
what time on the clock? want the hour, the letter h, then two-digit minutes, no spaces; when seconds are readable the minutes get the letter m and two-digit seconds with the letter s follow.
3h37
